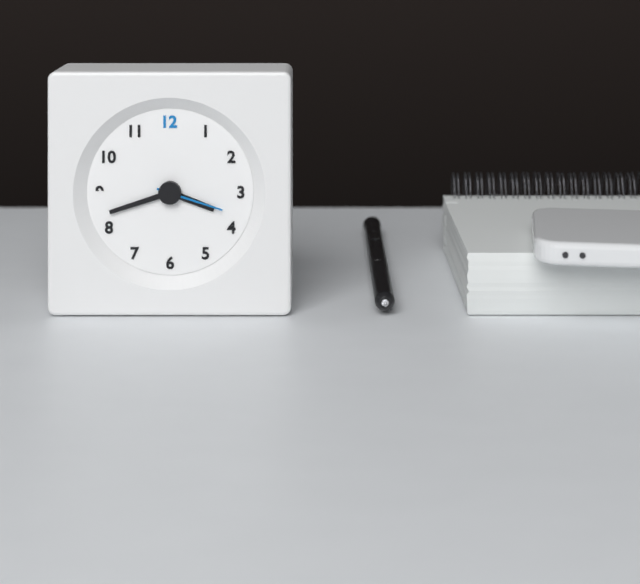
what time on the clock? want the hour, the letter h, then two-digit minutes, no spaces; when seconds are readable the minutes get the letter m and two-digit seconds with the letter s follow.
3h42m18s
